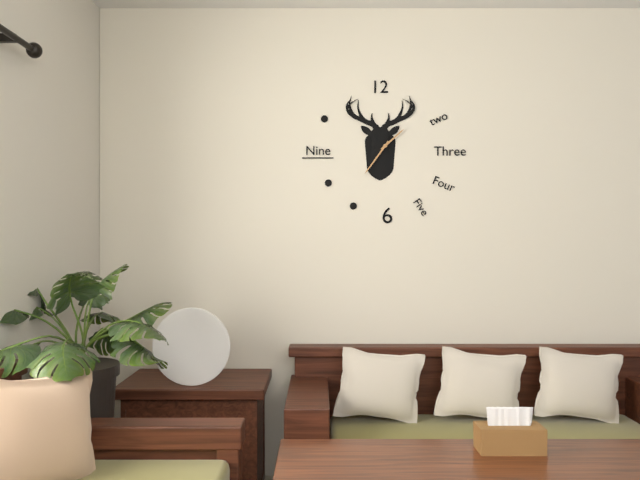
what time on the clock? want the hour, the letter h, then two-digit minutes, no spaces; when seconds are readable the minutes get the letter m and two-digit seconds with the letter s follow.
1h36
